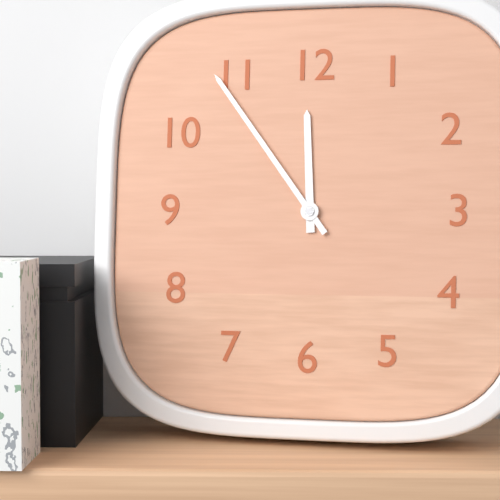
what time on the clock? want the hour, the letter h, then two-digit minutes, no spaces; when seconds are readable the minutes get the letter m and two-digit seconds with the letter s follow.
11h54
